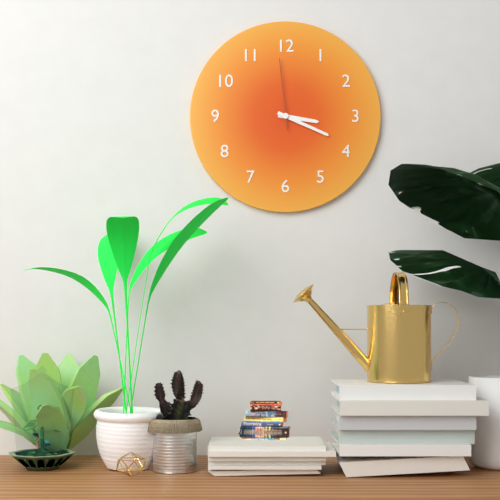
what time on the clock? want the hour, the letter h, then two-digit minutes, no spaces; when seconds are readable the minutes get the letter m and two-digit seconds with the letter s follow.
3h19m59s
